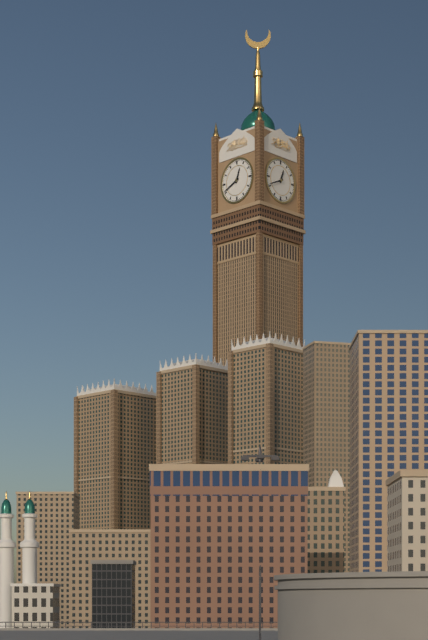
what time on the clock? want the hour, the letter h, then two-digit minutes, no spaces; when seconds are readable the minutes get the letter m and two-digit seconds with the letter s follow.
12h41
